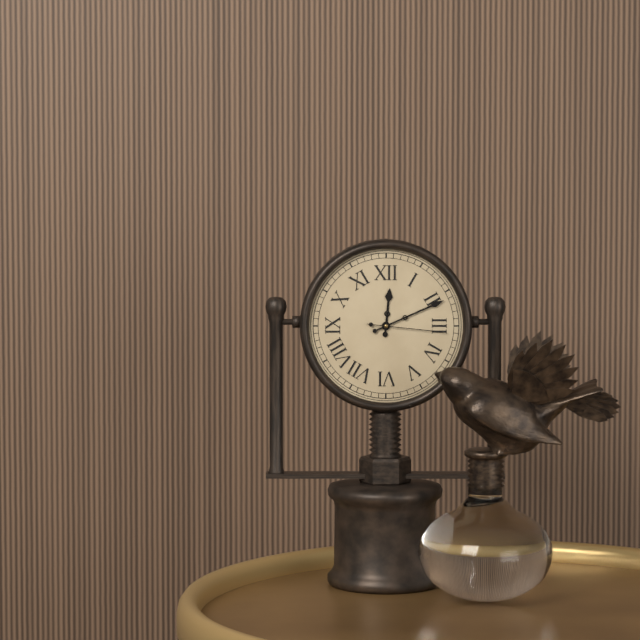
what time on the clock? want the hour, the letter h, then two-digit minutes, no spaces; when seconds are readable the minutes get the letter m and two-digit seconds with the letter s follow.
12h11m16s
